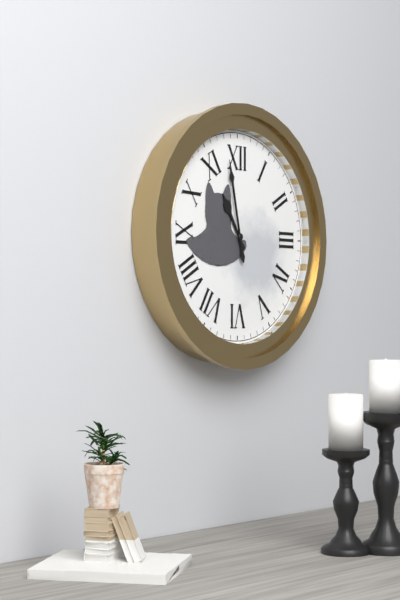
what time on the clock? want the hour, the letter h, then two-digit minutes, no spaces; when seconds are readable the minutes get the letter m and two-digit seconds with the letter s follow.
10h58
